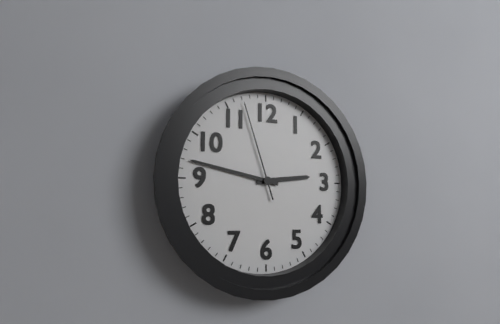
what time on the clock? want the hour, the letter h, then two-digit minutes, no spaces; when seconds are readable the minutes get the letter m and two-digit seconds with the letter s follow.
2h47m57s
